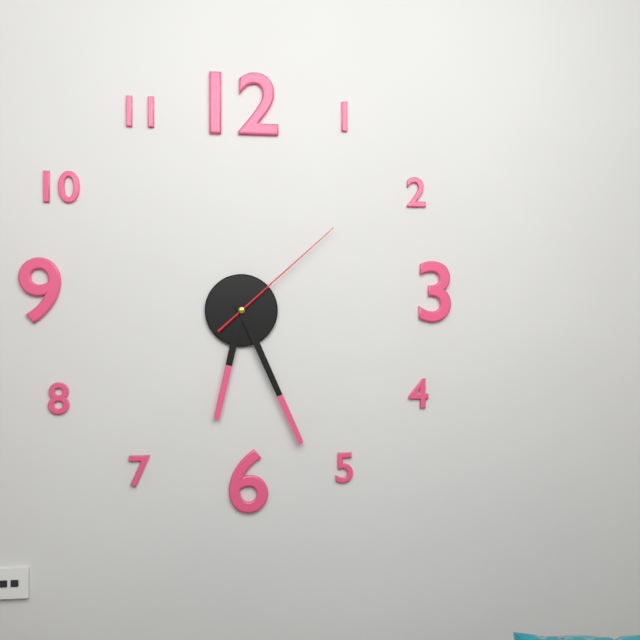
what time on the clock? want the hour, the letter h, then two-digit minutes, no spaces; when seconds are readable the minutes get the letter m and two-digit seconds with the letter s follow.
6h26m08s
